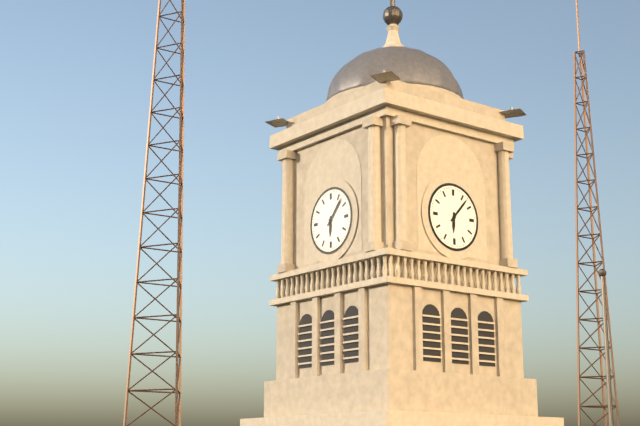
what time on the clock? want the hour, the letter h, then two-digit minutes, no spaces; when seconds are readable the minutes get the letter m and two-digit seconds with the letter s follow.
6h07
